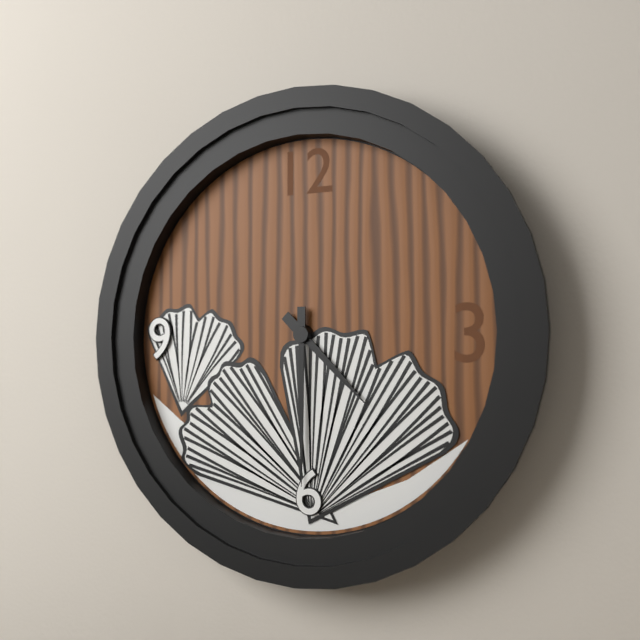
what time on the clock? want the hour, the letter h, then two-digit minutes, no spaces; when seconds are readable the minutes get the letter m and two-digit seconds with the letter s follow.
4h30
